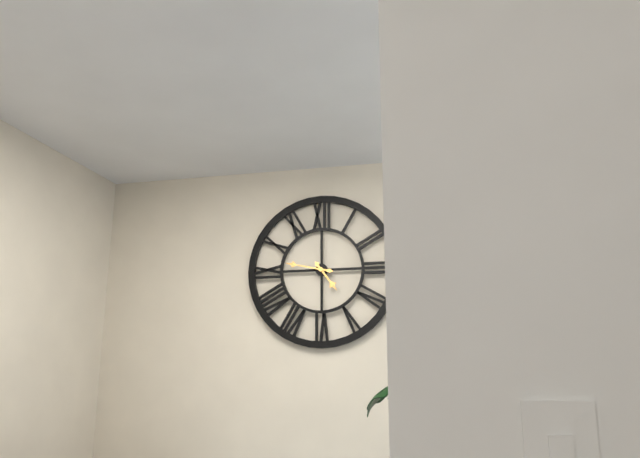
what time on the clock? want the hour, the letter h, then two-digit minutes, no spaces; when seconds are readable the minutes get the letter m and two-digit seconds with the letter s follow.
4h47
